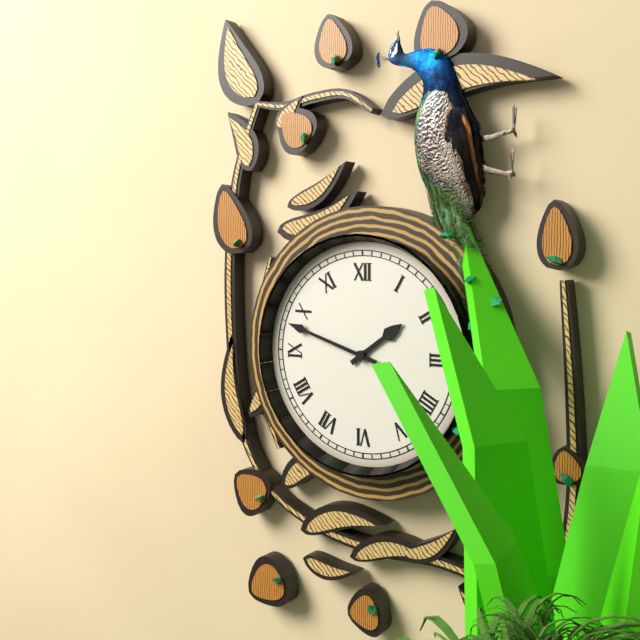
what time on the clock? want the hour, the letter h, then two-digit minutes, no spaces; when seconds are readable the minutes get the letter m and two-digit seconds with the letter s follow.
1h48
